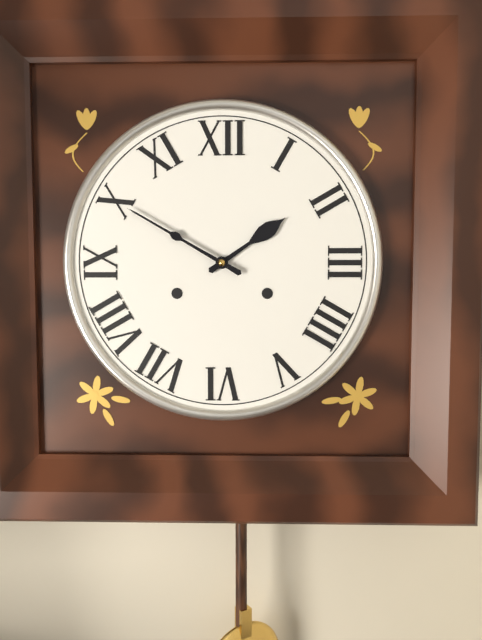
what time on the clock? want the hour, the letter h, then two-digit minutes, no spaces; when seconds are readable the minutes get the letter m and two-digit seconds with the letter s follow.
1h50
